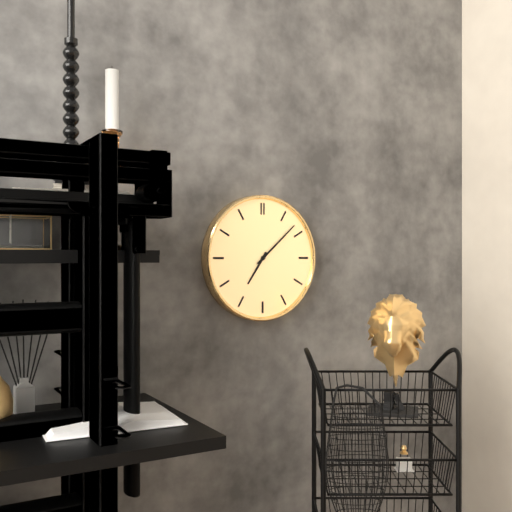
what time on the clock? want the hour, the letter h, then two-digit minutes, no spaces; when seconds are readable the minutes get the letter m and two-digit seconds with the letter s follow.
7h08
